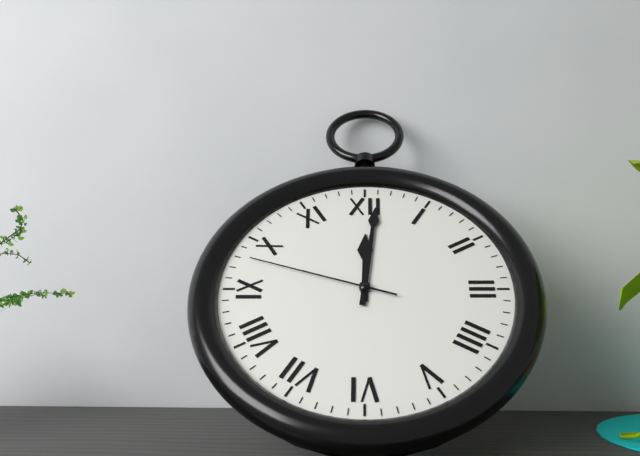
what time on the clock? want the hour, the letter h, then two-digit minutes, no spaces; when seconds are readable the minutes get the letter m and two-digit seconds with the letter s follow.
12h01m48s
